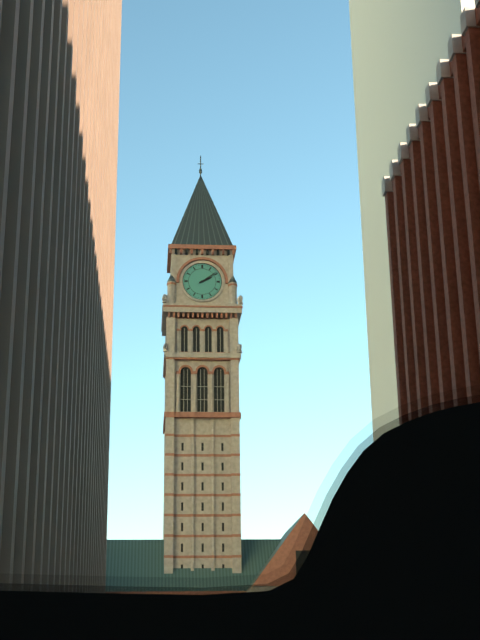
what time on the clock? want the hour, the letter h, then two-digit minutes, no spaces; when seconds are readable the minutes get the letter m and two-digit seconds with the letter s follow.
2h09
